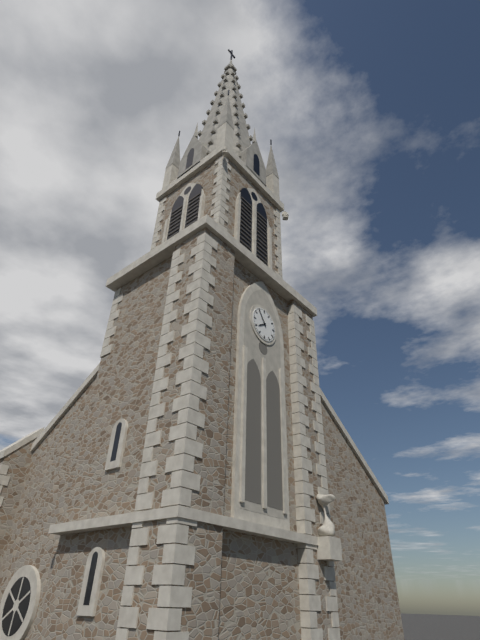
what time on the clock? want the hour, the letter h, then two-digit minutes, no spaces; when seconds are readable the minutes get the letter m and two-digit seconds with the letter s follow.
7h54
